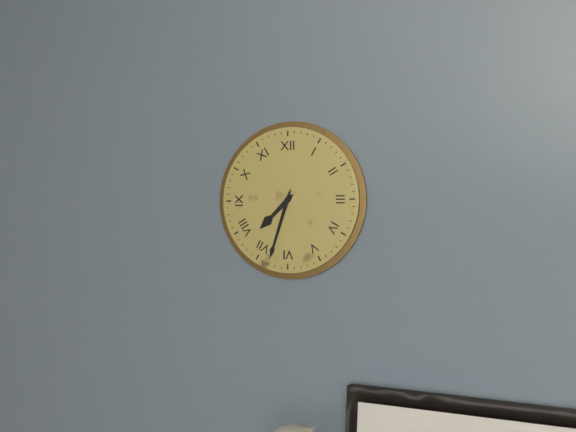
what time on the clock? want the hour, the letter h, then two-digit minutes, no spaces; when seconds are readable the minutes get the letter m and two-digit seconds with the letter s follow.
7h33
